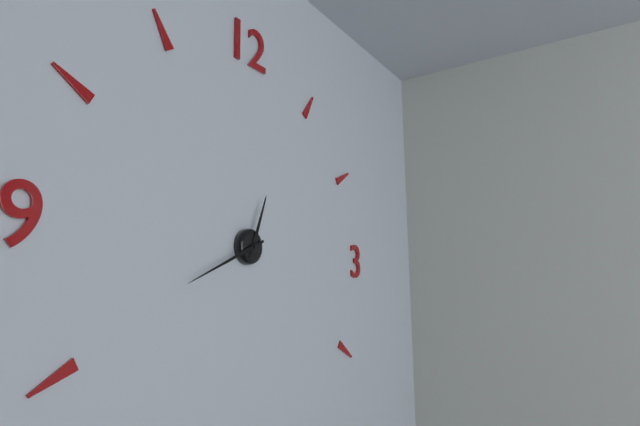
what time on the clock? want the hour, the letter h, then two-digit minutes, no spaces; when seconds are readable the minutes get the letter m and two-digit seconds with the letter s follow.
12h41
